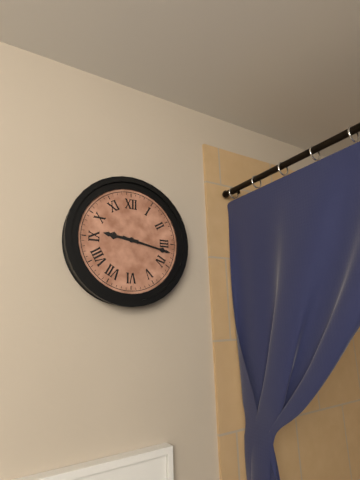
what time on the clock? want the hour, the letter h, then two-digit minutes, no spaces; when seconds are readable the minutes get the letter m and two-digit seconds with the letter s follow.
9h17
